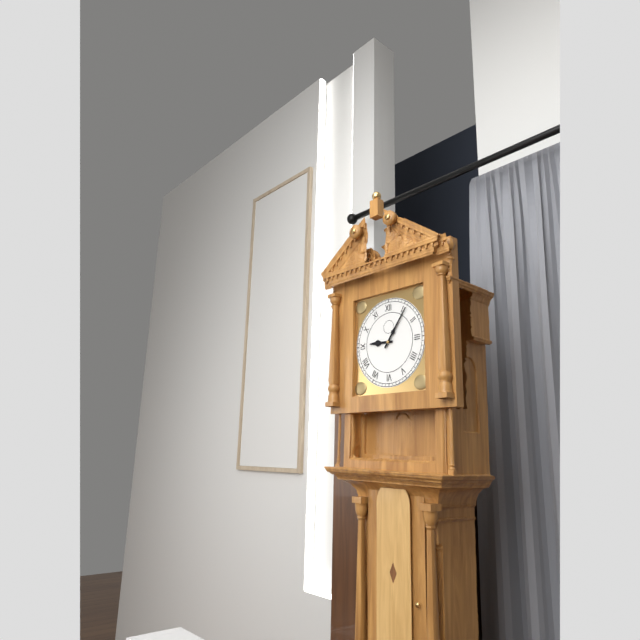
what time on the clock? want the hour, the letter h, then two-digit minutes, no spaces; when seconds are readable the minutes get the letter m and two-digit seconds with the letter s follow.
9h06
